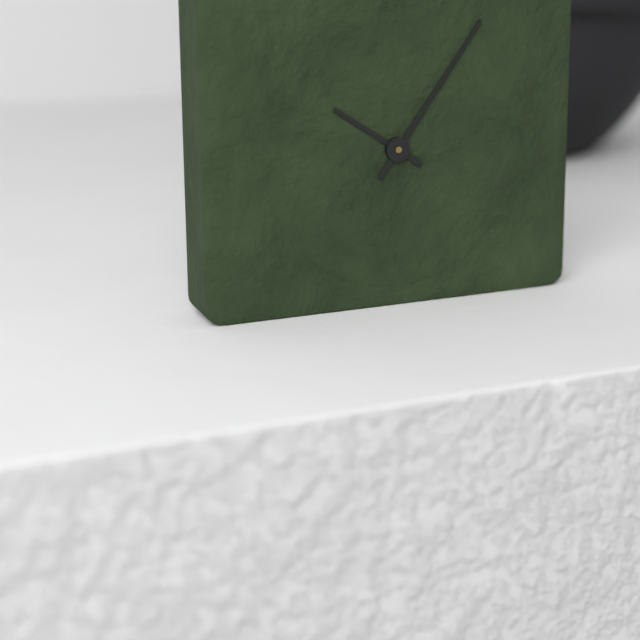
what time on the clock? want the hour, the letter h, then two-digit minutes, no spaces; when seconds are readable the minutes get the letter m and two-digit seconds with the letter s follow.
10h06
